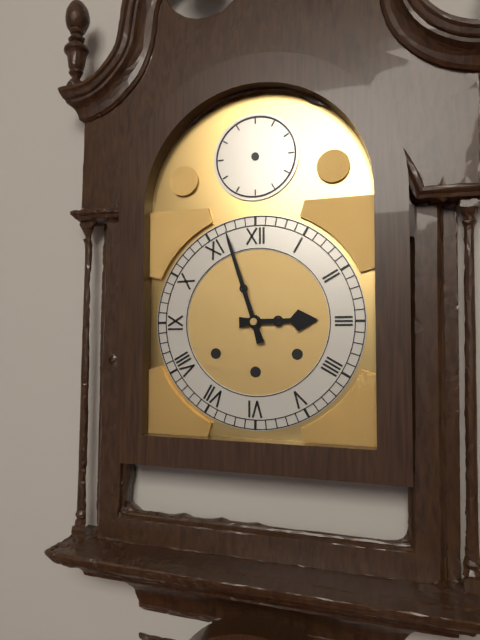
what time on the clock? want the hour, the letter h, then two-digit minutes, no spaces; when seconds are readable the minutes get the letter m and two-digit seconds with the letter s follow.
2h57
